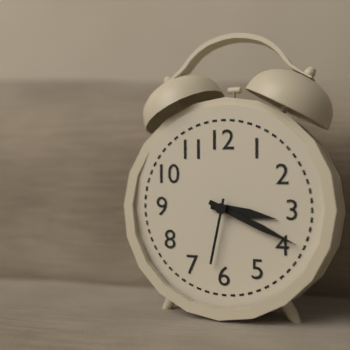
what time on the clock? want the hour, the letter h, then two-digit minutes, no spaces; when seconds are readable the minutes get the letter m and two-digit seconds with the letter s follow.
3h19m32s
